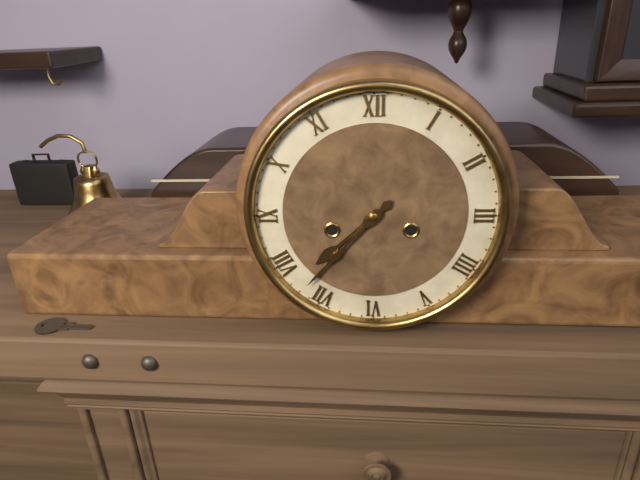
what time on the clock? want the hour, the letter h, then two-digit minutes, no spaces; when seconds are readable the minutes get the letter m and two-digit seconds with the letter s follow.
7h37
